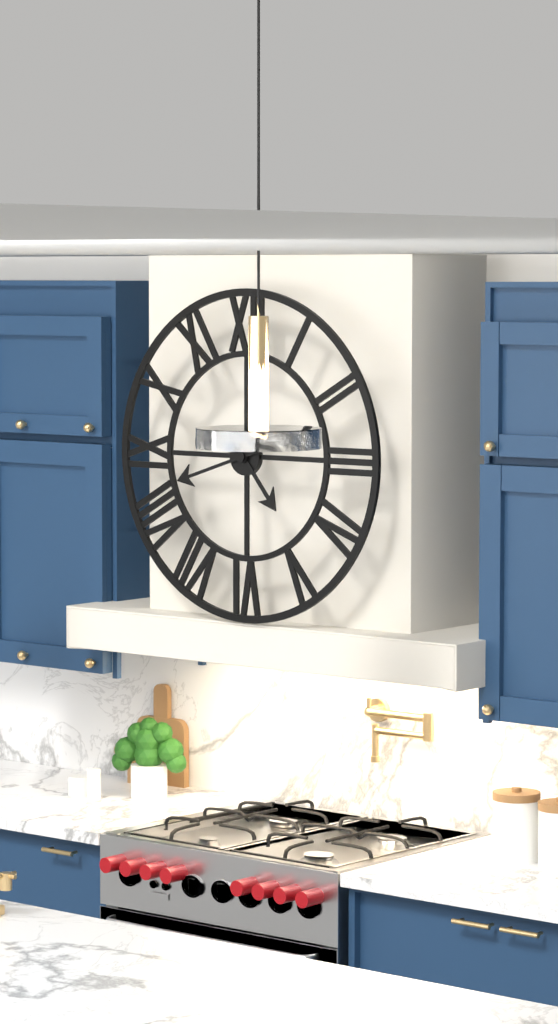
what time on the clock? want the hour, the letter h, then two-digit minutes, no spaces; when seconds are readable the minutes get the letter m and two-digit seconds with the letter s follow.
4h42
